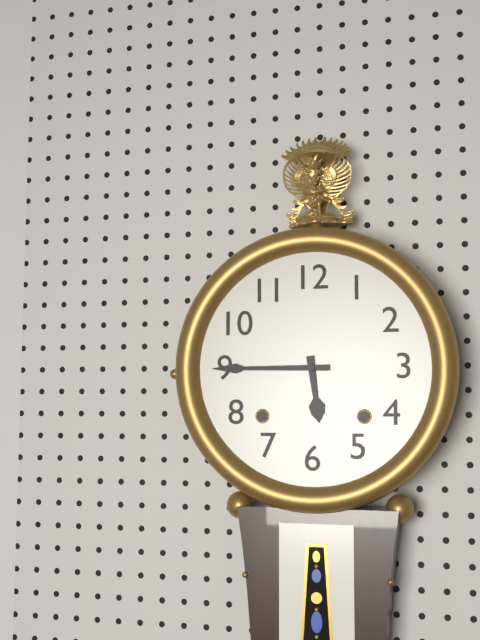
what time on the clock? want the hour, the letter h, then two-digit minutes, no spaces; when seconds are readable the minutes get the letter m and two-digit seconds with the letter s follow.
5h45
